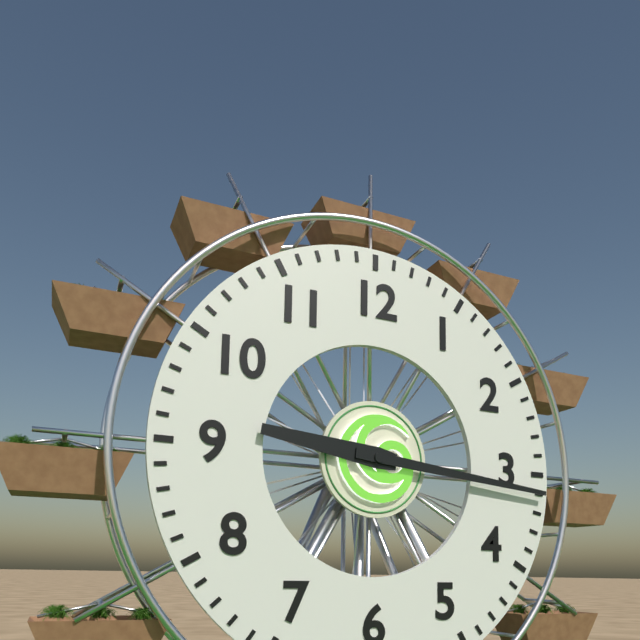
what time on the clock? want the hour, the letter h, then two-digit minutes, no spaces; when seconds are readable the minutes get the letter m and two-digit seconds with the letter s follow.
9h16
